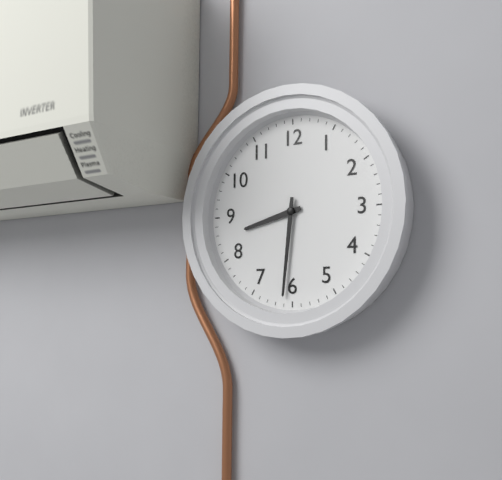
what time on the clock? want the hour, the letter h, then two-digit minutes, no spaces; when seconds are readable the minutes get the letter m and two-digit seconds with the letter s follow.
8h31
